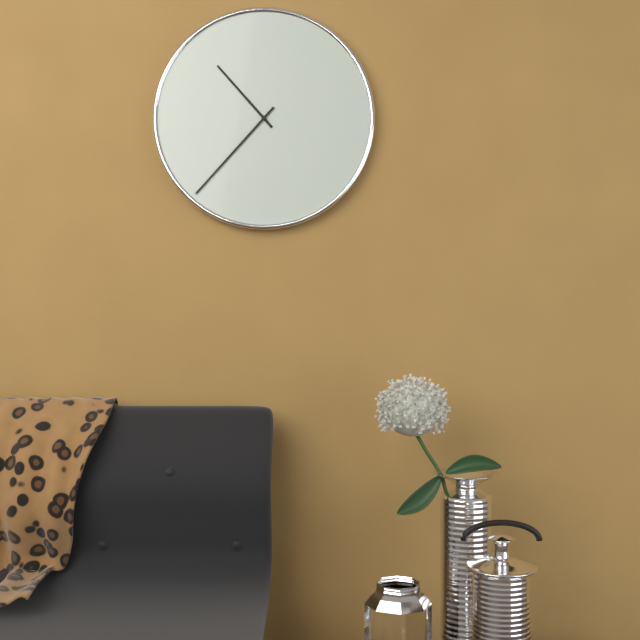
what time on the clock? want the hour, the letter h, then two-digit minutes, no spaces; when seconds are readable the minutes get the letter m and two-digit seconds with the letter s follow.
10h37
